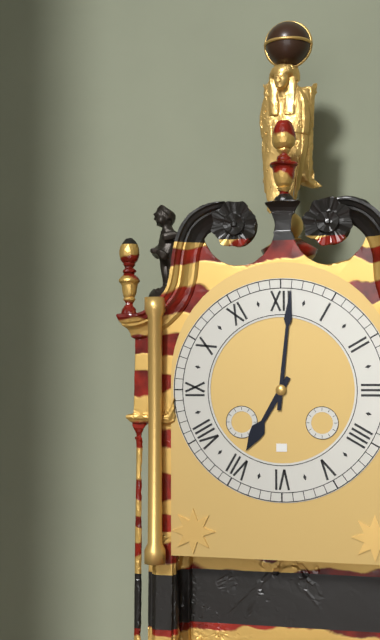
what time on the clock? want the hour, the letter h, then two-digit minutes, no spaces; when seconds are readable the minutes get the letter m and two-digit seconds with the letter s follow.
7h01
